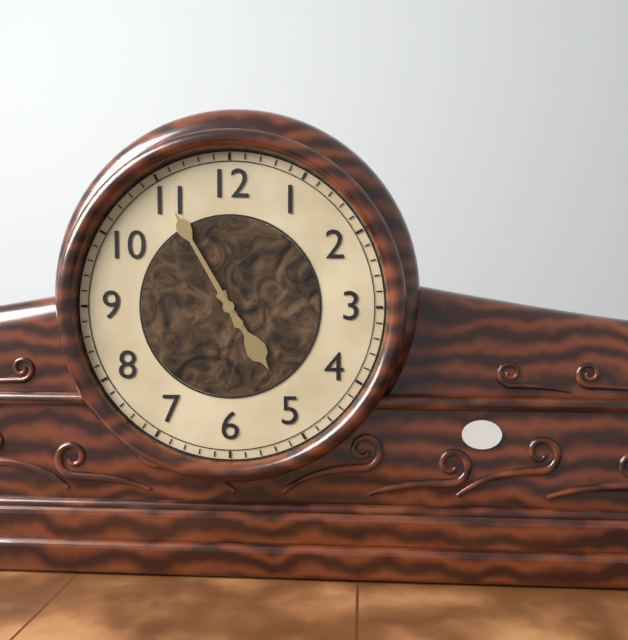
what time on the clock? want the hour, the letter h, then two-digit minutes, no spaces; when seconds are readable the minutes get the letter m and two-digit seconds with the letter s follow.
4h55
